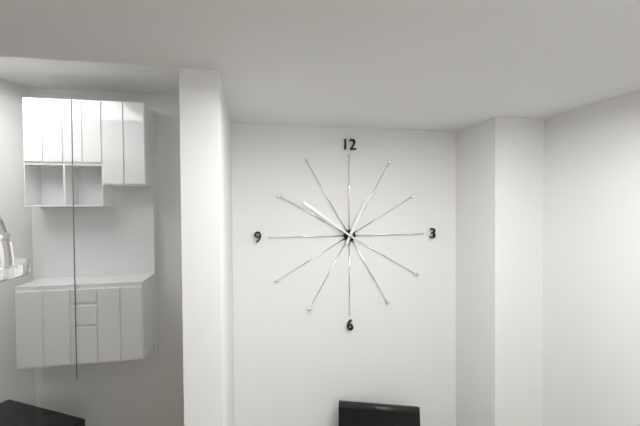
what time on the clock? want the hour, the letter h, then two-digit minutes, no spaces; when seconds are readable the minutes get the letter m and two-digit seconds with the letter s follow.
12h51
